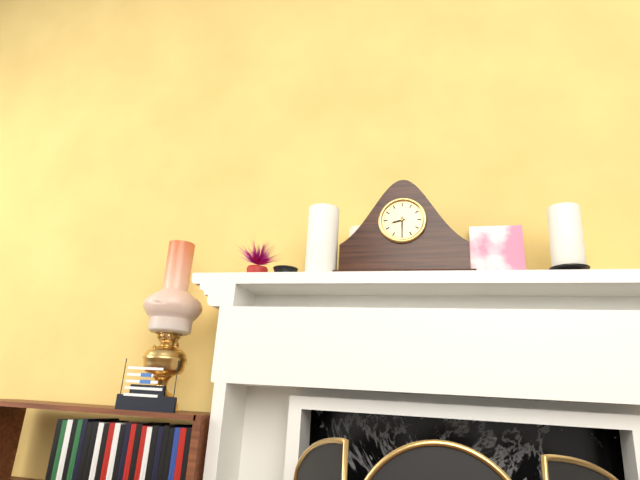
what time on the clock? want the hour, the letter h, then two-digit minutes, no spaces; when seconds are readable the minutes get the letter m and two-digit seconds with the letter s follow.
8h30
